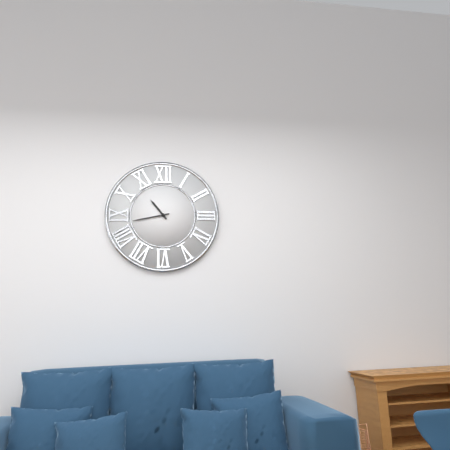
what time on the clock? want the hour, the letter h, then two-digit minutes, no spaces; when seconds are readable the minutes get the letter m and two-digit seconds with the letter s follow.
10h43
